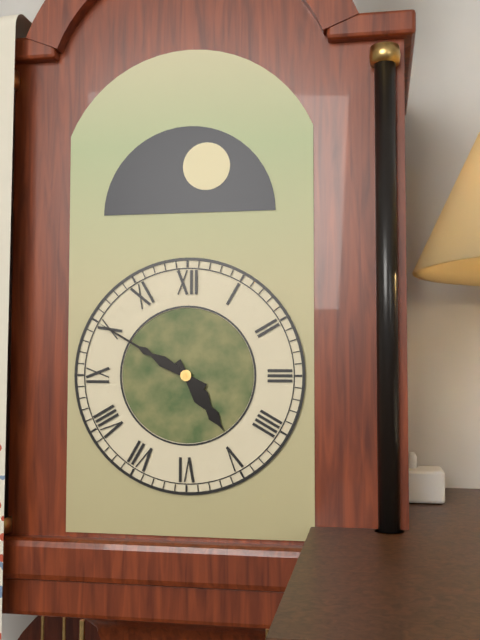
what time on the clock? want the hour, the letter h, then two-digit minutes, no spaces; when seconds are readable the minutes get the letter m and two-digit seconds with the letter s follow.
4h50
